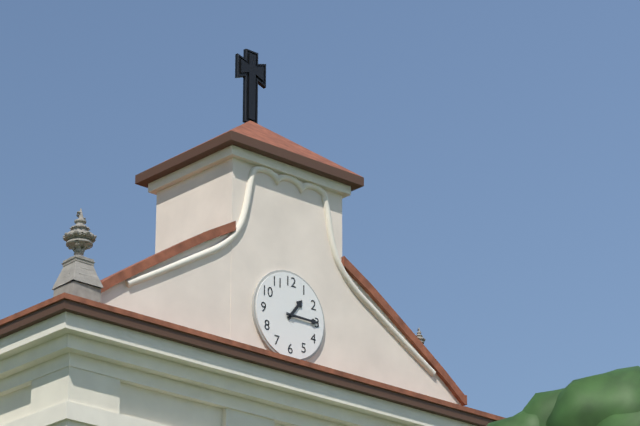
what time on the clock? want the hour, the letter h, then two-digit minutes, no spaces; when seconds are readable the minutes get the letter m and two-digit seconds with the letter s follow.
1h15
